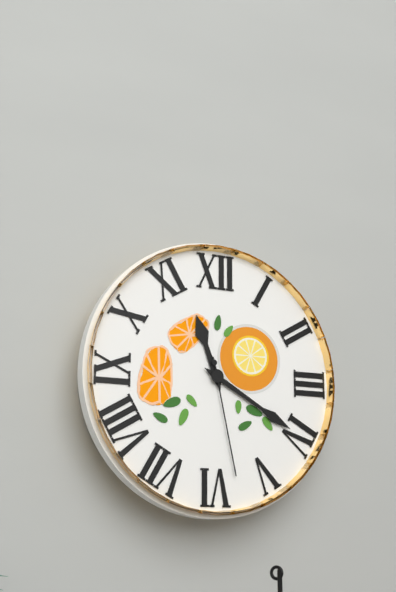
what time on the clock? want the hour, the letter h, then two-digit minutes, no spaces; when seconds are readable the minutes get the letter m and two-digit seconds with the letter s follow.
11h20m28s
